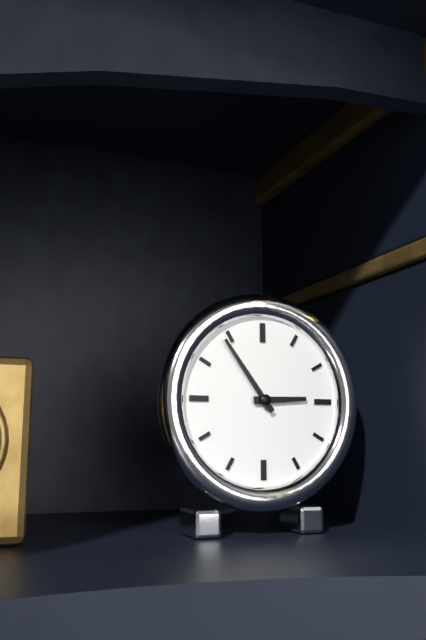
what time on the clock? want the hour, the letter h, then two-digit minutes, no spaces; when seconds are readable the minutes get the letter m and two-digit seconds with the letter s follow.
2h54
